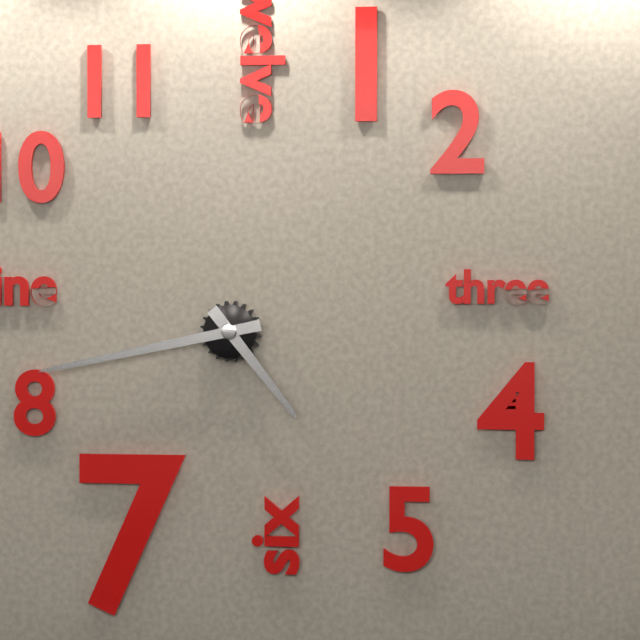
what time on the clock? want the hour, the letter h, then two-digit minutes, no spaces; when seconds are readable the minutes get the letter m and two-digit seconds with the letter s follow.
4h43
